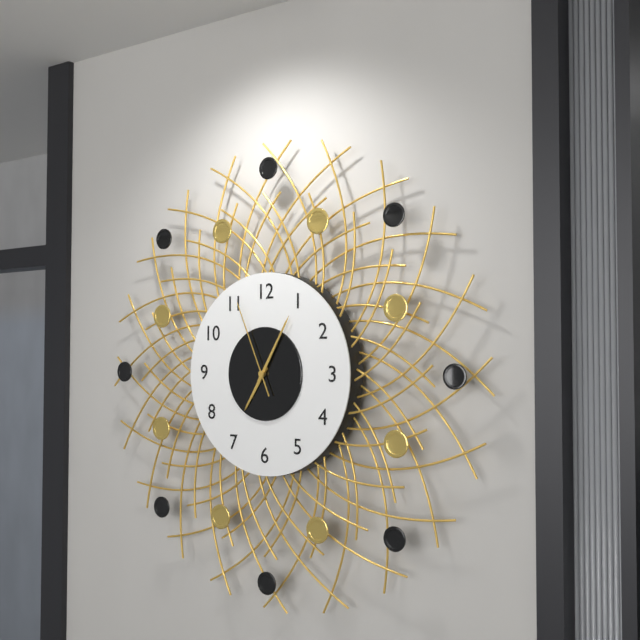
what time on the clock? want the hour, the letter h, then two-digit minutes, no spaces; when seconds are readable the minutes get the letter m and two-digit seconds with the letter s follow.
7h05m56s
